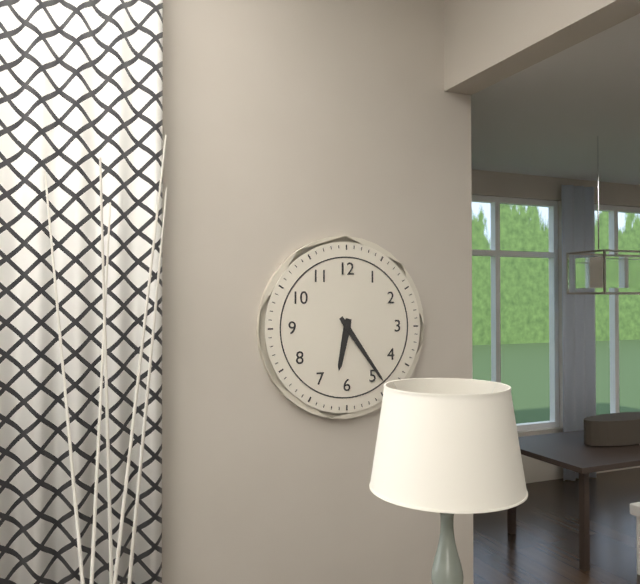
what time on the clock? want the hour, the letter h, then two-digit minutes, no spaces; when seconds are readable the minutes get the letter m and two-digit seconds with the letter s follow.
6h24
